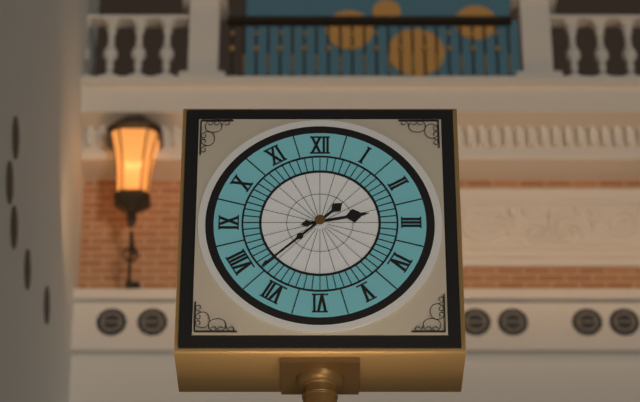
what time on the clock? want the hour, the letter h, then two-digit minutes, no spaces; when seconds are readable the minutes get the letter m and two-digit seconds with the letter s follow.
2h38
